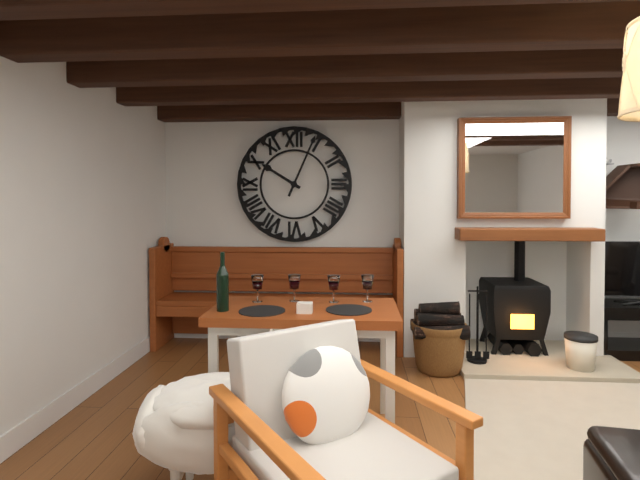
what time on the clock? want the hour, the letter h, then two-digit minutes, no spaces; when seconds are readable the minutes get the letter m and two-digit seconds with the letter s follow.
10h04
